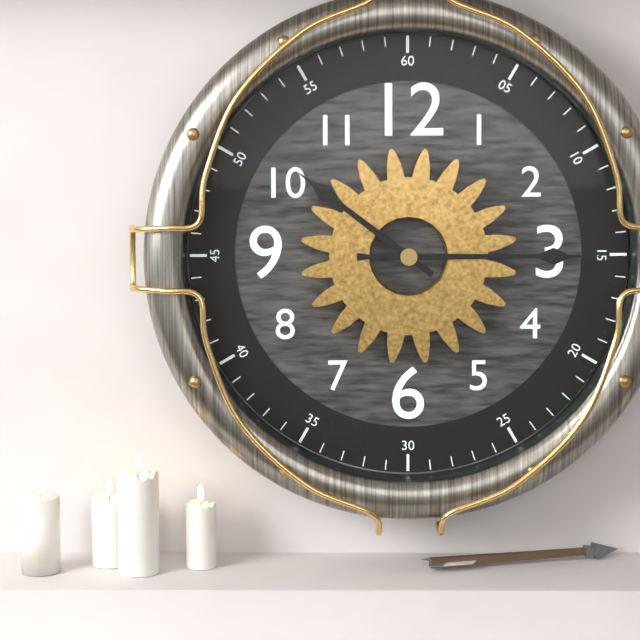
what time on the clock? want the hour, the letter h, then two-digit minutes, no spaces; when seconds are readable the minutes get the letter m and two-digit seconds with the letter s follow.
10h15
